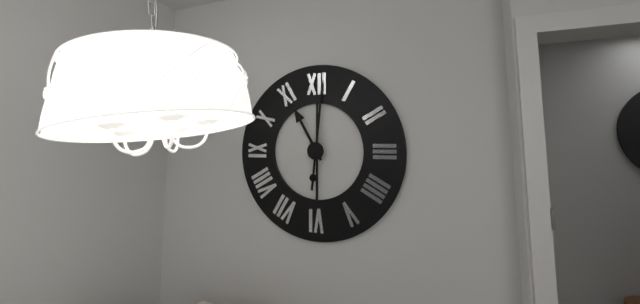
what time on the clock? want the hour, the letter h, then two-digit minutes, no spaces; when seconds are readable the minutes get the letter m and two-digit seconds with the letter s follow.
11h01
